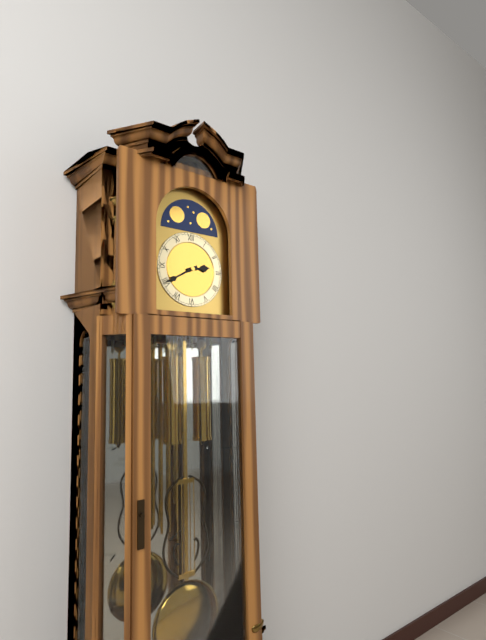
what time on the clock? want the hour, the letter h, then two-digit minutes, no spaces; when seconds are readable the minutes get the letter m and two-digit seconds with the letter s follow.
2h40
